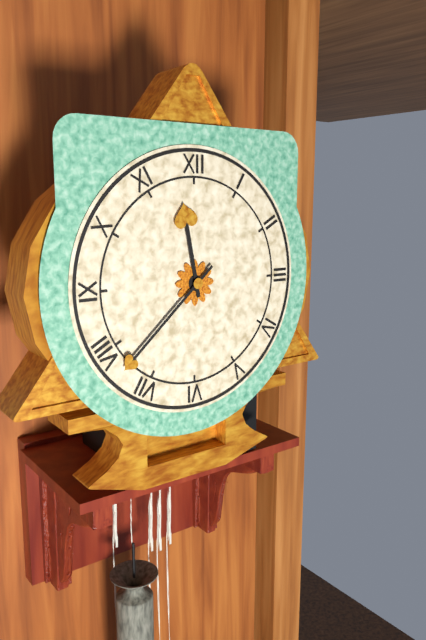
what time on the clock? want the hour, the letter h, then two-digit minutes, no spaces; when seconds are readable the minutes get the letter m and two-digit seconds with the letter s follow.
11h38
